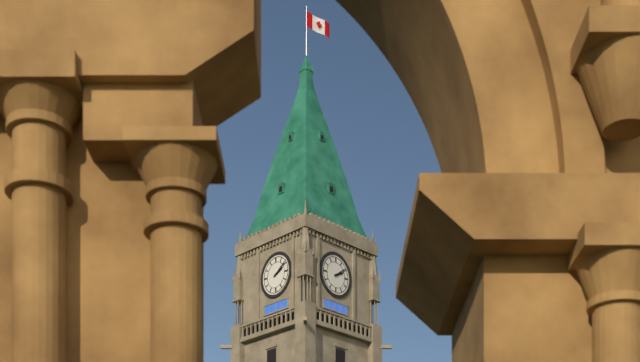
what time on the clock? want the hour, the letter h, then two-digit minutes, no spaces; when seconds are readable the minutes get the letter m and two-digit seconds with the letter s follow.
2h09
